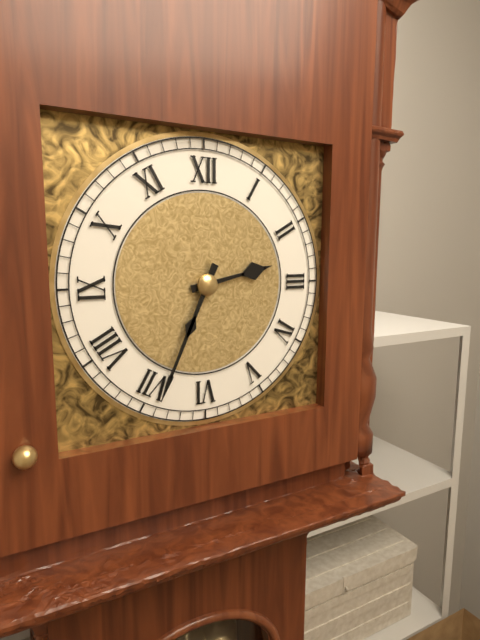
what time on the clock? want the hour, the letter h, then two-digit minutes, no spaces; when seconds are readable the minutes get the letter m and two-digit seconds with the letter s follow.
2h34
